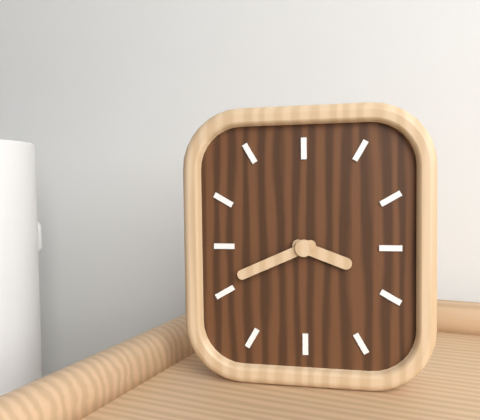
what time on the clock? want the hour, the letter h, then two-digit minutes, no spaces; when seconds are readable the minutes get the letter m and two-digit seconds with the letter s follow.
3h41
